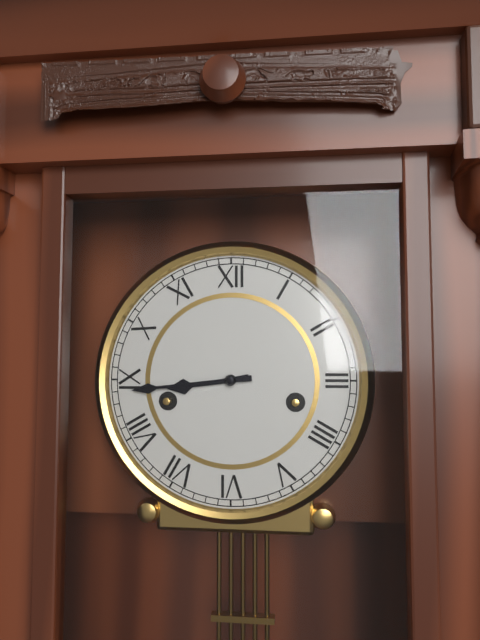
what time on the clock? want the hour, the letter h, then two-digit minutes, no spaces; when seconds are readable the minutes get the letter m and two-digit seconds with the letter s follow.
8h44
